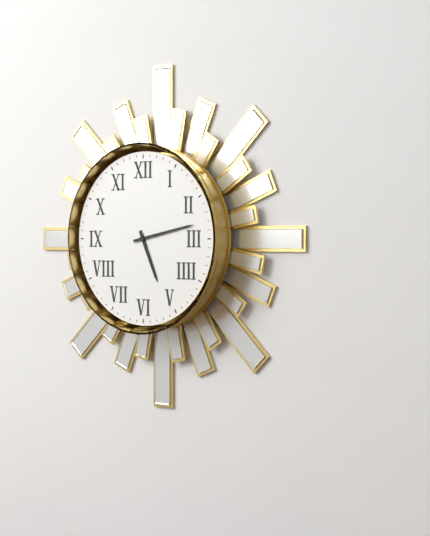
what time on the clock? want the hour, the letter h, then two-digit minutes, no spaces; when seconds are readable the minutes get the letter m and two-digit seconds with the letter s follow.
5h13
